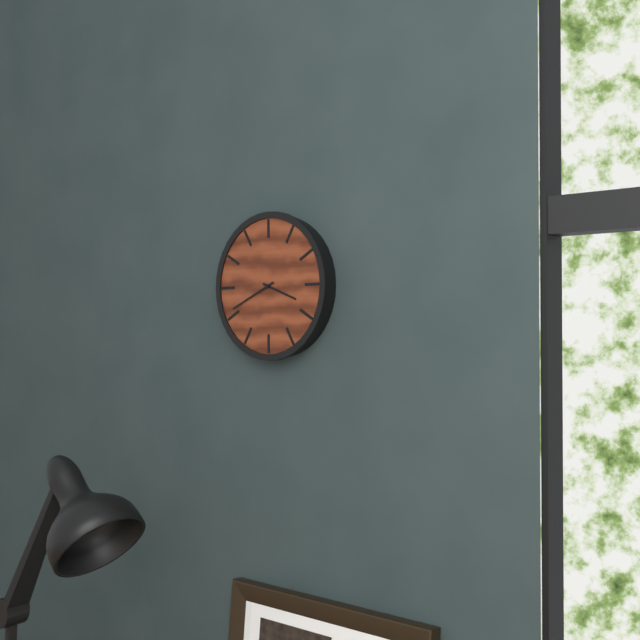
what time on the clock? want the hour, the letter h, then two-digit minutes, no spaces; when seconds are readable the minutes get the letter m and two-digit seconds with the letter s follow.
3h41
